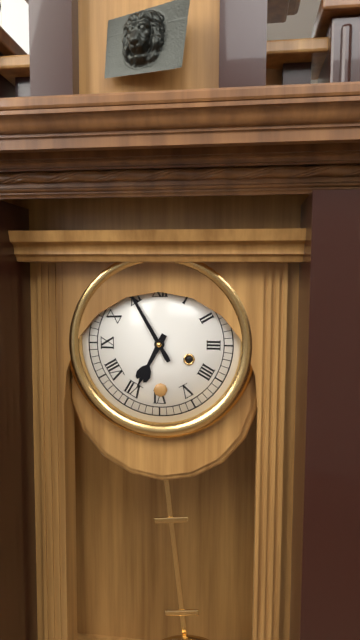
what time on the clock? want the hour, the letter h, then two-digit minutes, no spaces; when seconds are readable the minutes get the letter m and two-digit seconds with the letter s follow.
6h55
